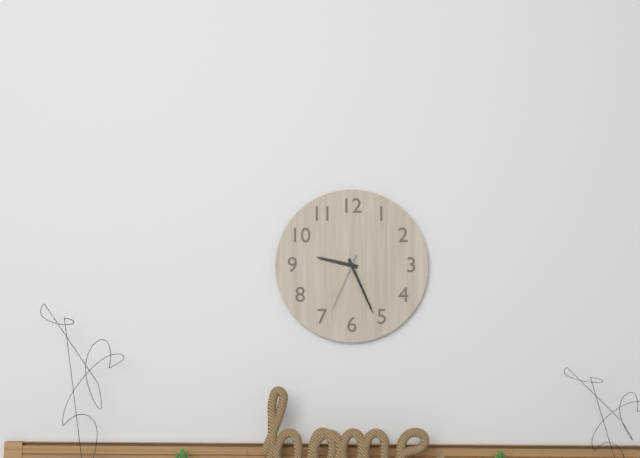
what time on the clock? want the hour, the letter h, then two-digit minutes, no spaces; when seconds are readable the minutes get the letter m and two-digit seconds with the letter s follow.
9h26m34s
